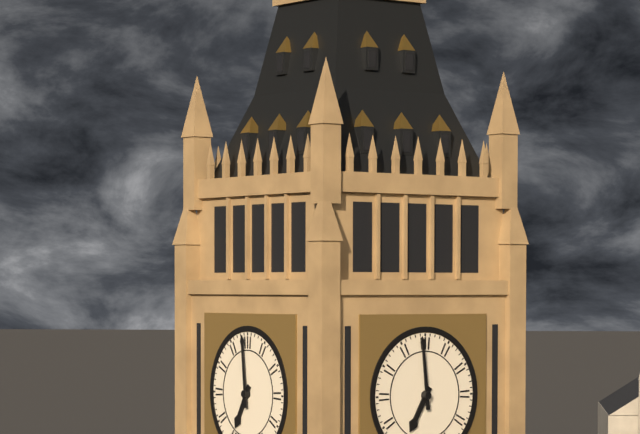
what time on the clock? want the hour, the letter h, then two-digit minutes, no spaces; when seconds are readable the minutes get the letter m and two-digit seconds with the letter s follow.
6h59
